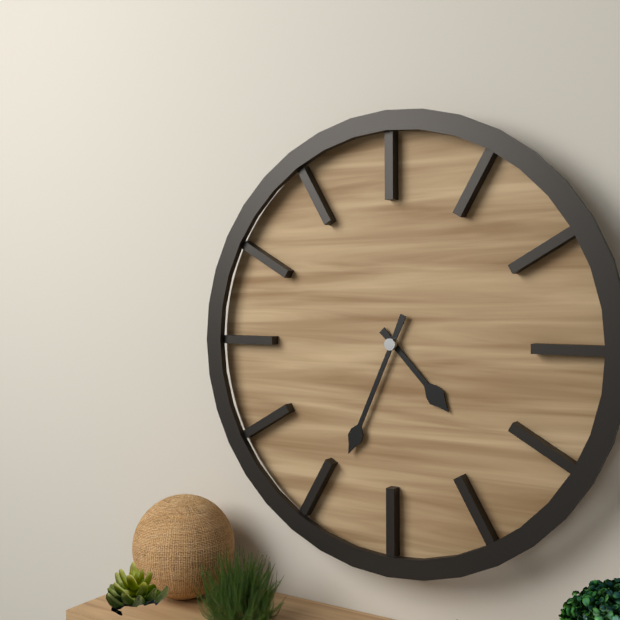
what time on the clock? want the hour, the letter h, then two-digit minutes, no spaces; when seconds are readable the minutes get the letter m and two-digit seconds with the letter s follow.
4h34
